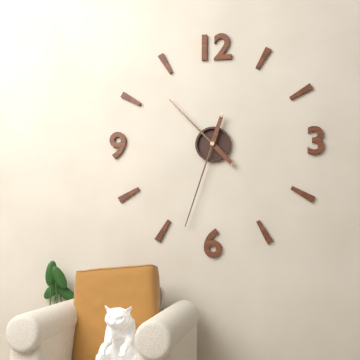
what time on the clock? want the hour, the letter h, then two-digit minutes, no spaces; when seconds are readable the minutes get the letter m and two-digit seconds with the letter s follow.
10h33
